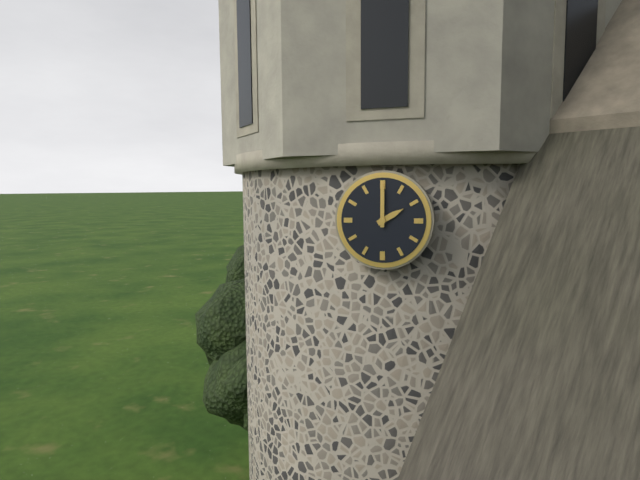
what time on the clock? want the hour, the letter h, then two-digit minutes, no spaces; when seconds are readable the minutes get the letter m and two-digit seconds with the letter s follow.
2h00
